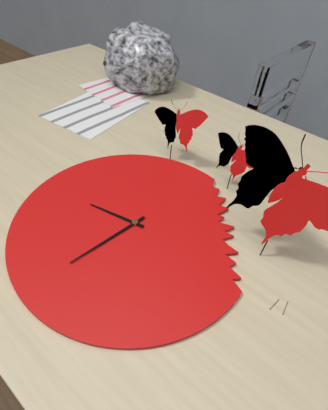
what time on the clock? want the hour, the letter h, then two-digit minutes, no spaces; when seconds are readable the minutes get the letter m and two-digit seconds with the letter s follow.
8h31
